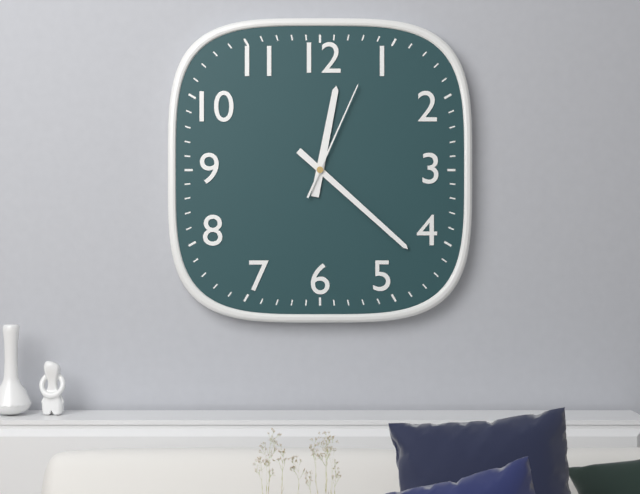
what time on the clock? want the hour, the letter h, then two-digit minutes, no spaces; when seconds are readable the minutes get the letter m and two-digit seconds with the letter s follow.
12h22m04s
